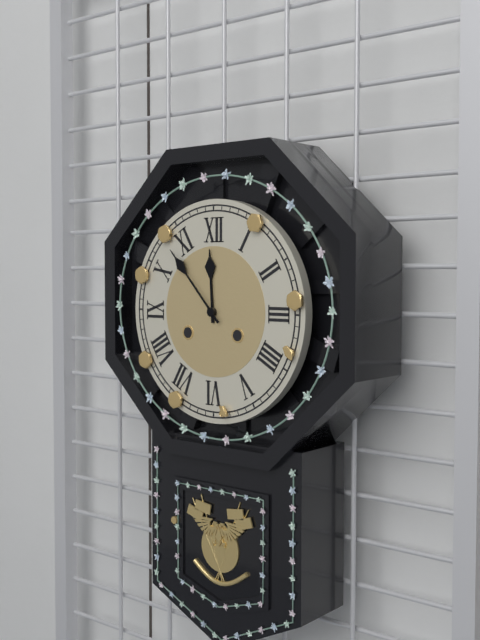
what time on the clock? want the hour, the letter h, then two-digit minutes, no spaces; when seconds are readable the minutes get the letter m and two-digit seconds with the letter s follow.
11h53
